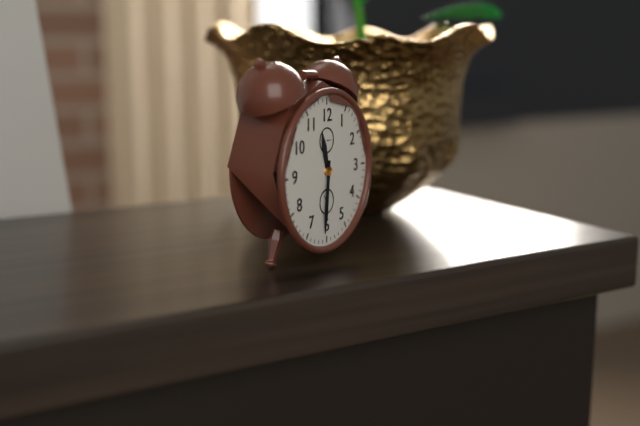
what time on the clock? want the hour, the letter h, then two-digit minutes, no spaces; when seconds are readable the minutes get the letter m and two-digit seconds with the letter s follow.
11h31
